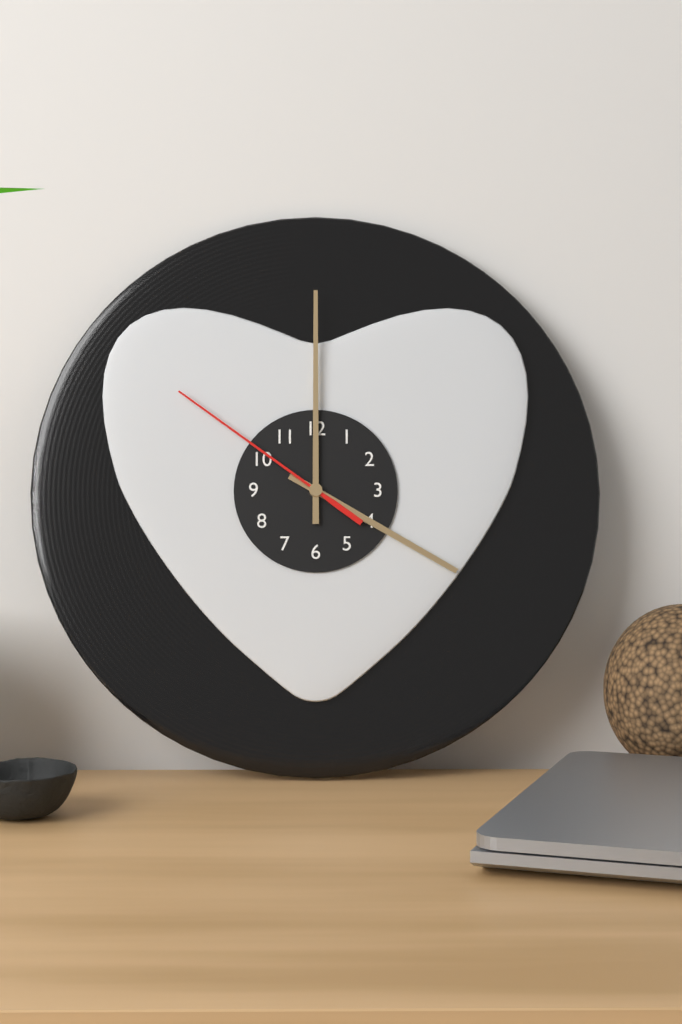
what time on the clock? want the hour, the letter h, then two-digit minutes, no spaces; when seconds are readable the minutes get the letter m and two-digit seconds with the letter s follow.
4h00m51s
